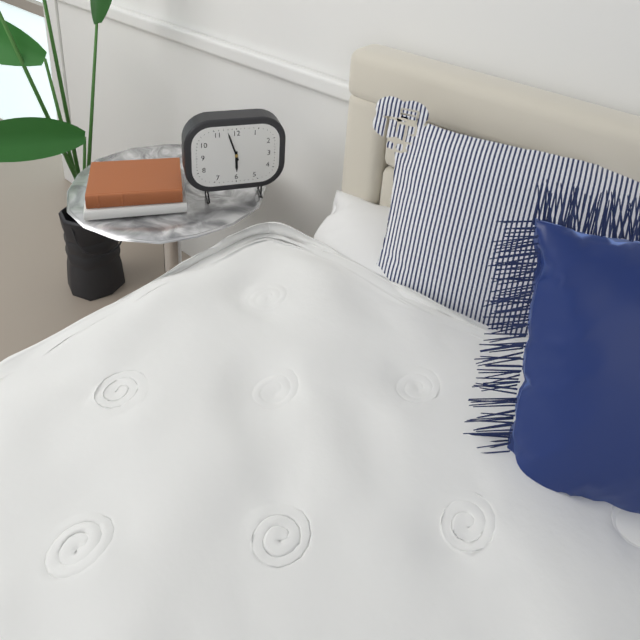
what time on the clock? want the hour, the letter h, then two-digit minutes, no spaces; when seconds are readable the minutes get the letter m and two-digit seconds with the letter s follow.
5h57
